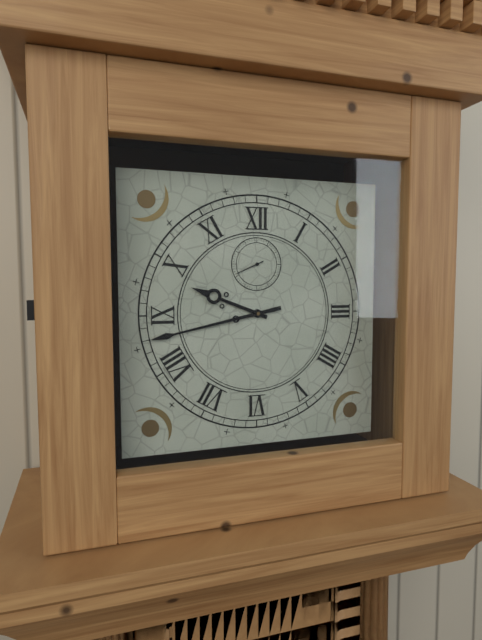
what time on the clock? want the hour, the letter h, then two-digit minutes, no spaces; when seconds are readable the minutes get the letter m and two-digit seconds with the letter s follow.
9h43
